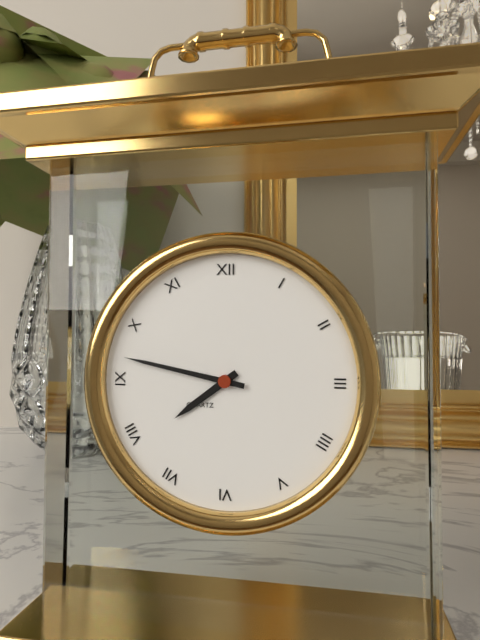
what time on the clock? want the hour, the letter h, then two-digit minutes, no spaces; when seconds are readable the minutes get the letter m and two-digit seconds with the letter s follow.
7h47
